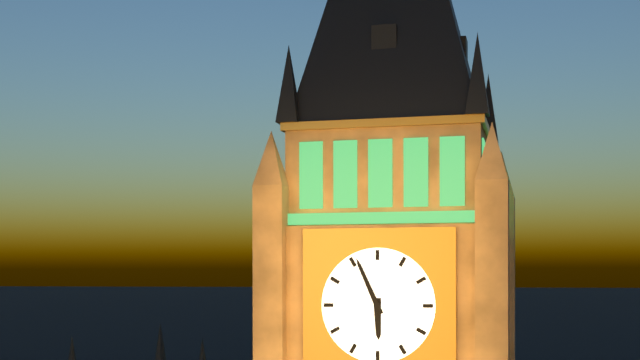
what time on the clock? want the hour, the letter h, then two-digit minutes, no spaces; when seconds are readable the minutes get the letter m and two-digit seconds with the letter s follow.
5h56
